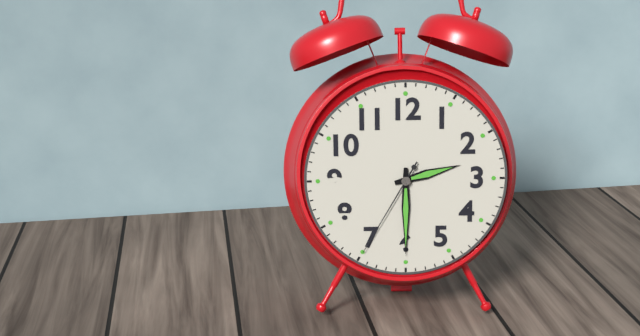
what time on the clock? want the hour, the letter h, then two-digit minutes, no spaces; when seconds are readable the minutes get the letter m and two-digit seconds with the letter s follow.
2h30m35s
